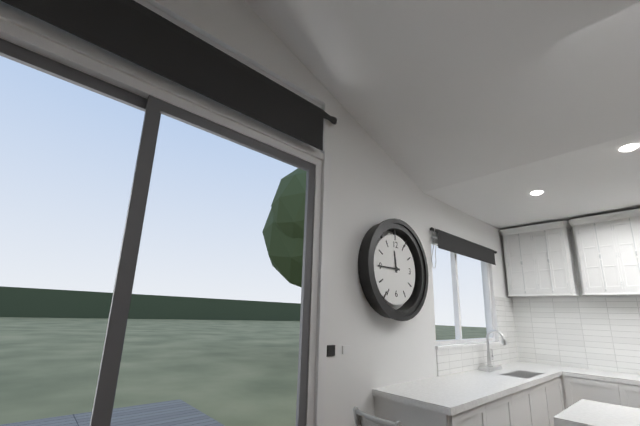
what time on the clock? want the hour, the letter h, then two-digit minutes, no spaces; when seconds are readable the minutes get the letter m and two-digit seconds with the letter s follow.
11h45
